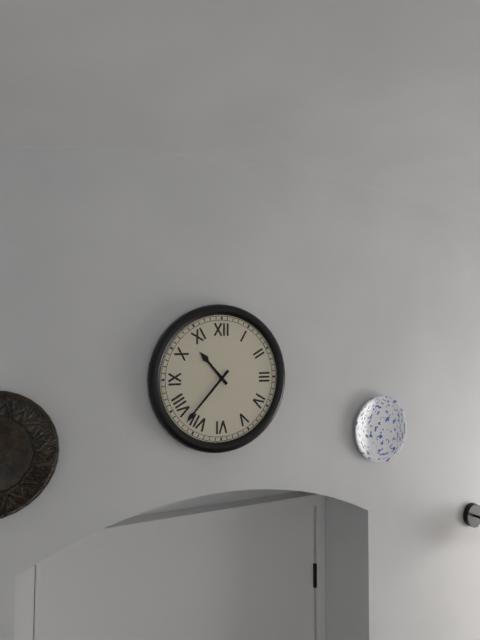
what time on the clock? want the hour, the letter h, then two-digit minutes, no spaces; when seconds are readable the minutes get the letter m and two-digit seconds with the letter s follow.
10h37
